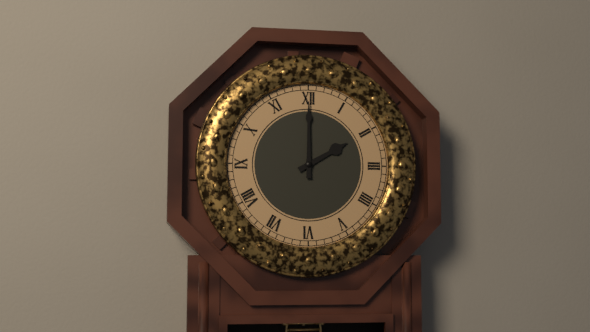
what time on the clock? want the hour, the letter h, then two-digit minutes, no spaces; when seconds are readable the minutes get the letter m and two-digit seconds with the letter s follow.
2h00
